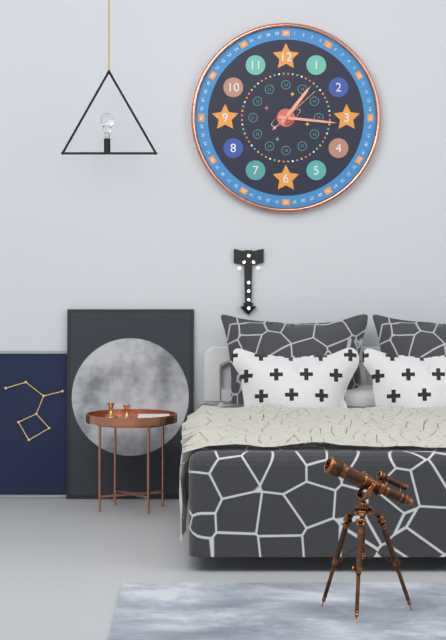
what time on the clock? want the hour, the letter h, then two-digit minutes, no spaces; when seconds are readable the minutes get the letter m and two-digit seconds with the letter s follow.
1h16m08s
